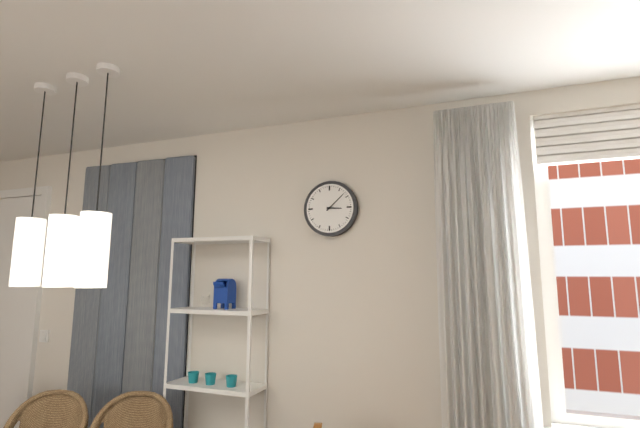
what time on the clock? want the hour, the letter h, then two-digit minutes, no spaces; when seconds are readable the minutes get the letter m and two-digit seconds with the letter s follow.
3h08
